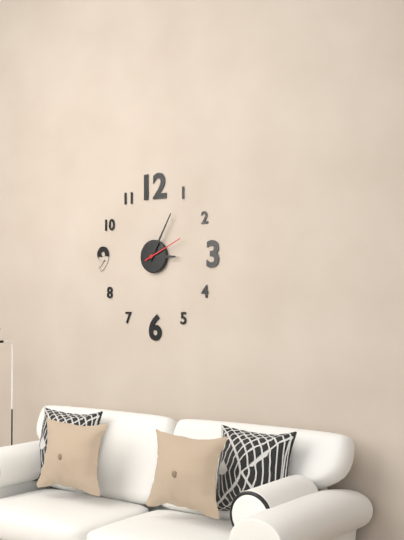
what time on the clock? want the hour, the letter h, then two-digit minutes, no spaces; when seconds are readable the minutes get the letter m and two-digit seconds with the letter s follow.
3h05
